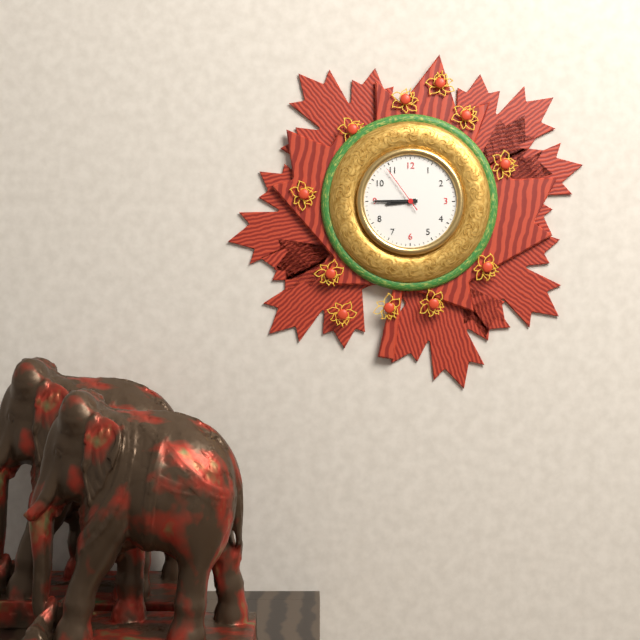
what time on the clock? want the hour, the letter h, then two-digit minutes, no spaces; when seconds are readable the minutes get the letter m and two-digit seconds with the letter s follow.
8h45m54s
